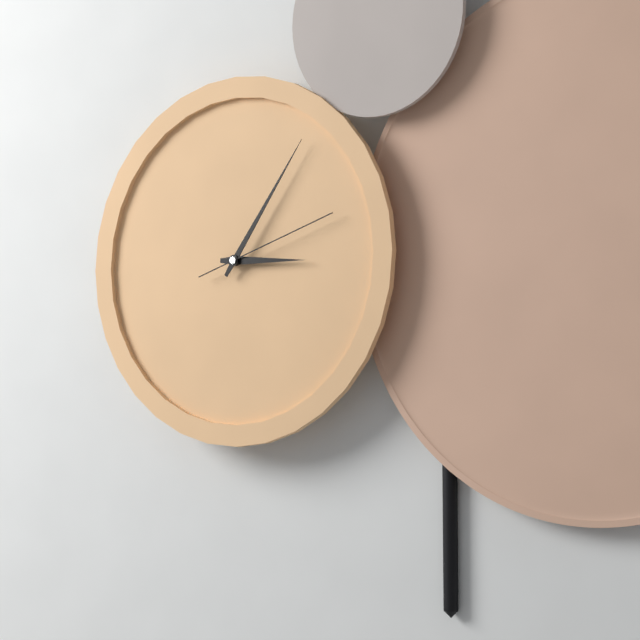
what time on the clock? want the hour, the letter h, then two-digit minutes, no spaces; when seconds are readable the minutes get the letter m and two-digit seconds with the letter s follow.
3h06m12s
